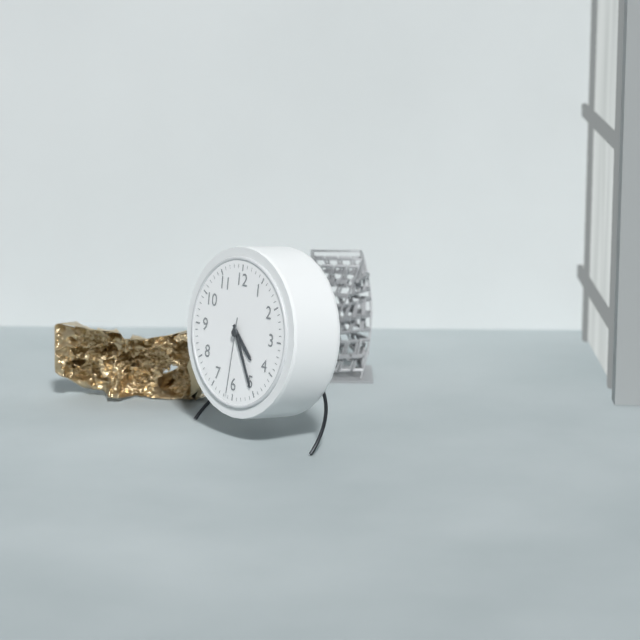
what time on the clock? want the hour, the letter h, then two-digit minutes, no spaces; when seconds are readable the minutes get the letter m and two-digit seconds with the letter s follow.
4h25m31s
